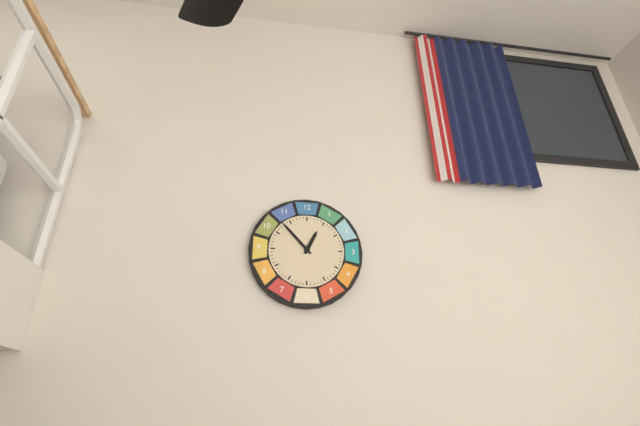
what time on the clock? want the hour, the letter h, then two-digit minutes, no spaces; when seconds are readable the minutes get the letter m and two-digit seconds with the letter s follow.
12h53
